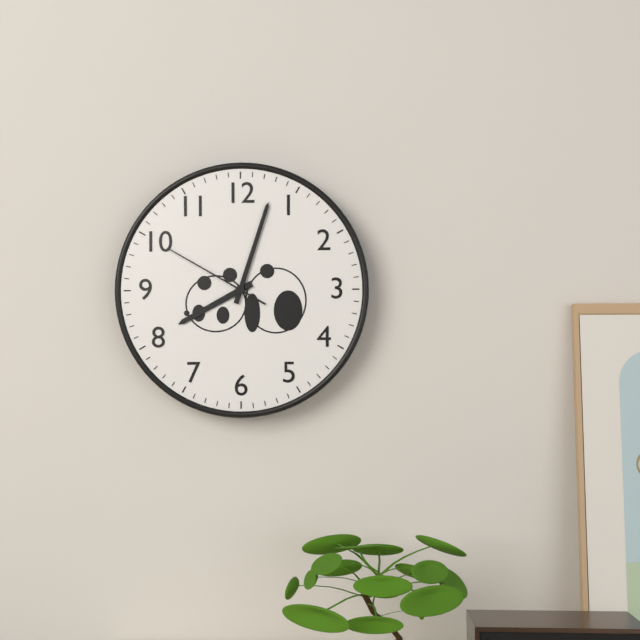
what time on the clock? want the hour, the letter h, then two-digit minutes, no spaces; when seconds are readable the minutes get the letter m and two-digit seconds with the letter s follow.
8h03m50s
